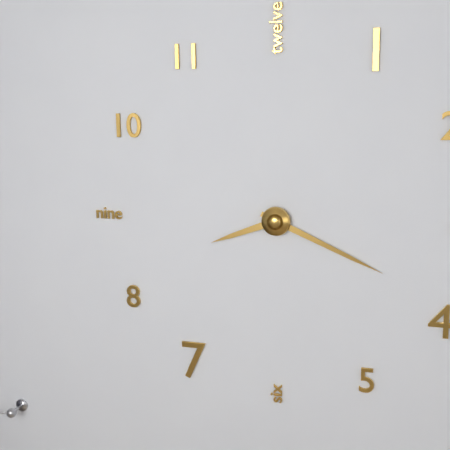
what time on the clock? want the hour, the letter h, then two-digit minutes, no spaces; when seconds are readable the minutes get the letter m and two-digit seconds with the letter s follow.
8h19
